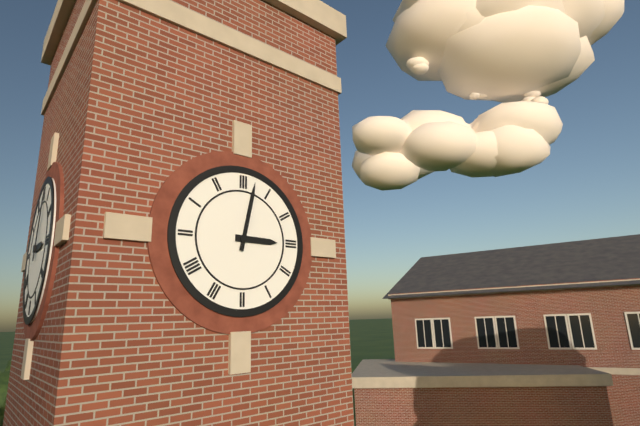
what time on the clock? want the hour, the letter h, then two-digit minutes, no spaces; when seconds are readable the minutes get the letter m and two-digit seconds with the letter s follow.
3h02
